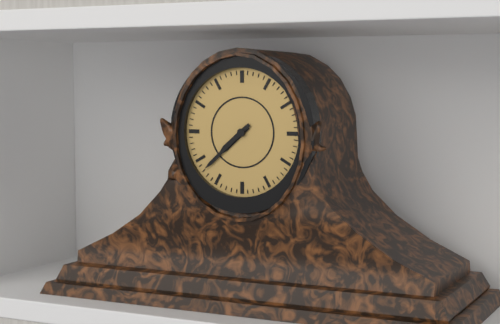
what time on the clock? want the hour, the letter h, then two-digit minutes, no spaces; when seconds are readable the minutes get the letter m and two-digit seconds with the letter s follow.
7h38
